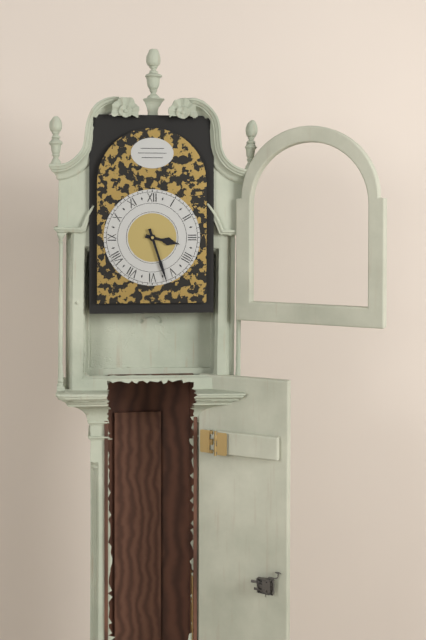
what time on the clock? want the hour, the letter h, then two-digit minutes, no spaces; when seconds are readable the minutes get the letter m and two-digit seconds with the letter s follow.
3h27
